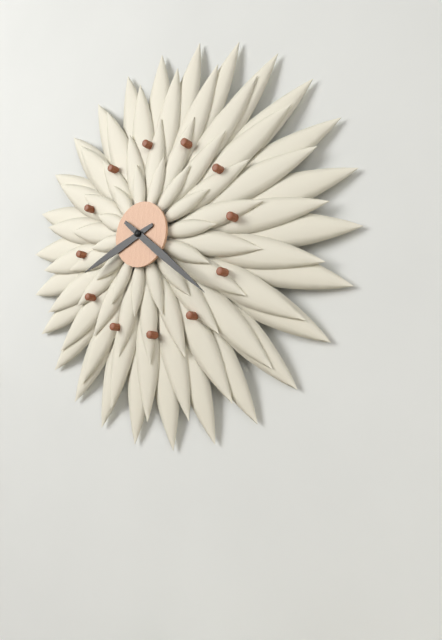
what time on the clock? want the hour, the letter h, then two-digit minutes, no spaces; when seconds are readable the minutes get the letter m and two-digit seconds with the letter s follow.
8h22
